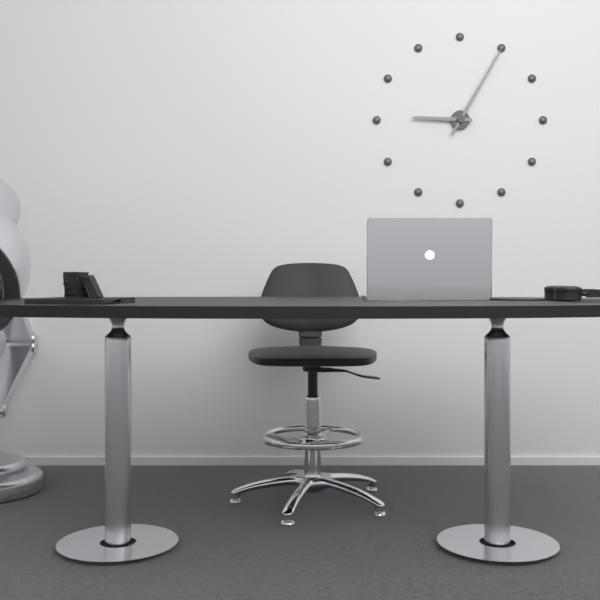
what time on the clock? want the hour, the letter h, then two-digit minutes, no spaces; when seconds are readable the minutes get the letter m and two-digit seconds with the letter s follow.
9h05
